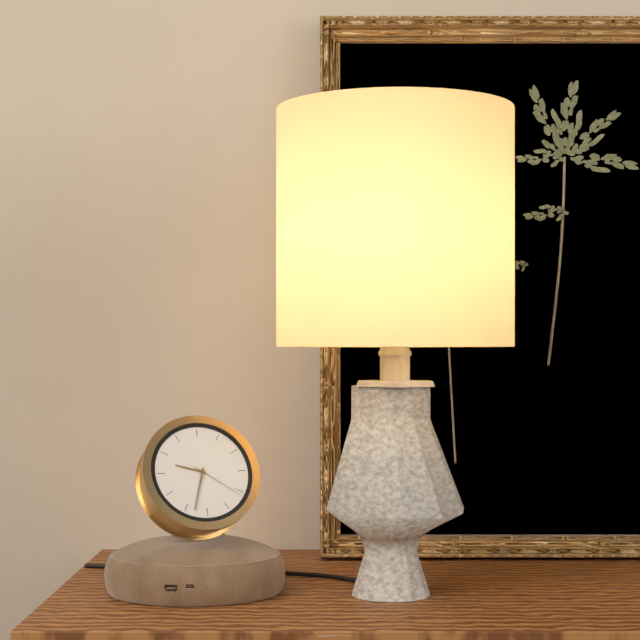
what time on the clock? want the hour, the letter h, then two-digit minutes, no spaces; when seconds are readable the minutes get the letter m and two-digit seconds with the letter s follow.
9h33m21s
